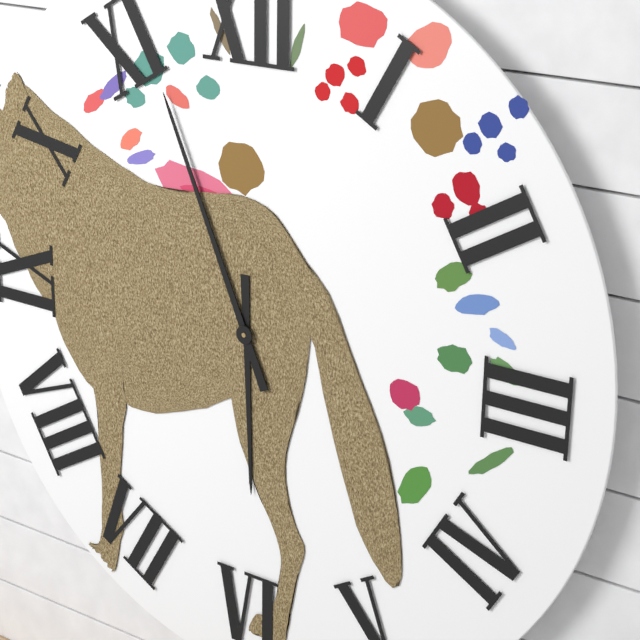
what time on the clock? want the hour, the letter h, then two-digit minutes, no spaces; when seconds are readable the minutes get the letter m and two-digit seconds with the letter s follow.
5h56
